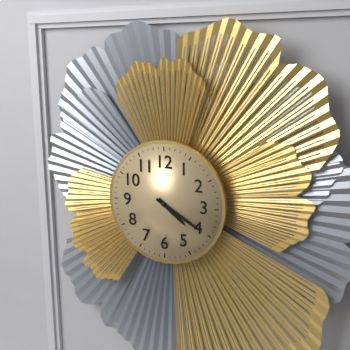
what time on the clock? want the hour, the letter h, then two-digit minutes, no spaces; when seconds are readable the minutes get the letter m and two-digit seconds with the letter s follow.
4h20
